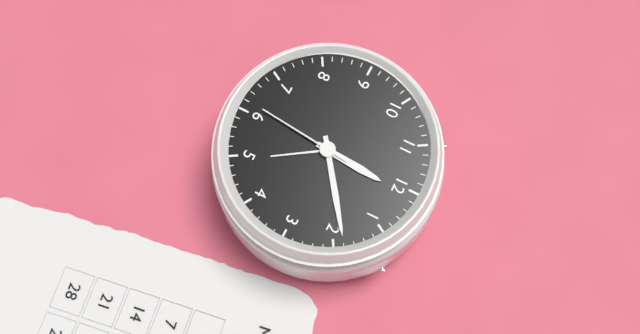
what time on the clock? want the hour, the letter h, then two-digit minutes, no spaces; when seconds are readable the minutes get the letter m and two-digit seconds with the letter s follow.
12h09m31s
